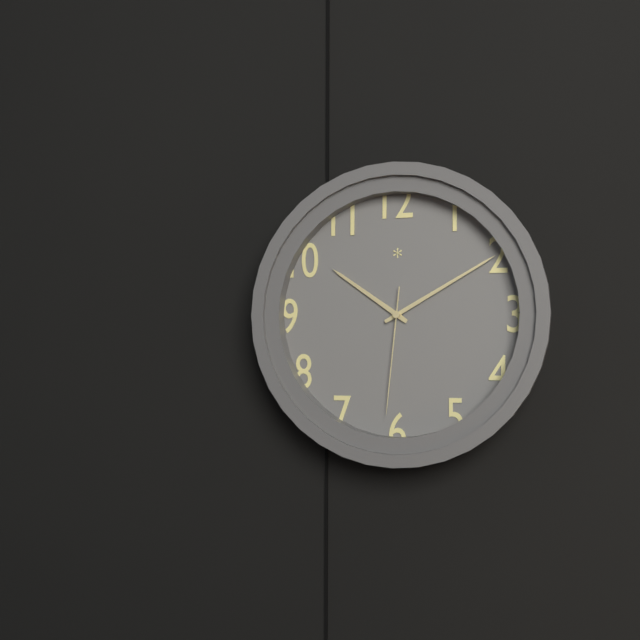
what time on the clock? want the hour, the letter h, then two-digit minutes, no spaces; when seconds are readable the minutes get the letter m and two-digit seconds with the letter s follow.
10h10m31s
